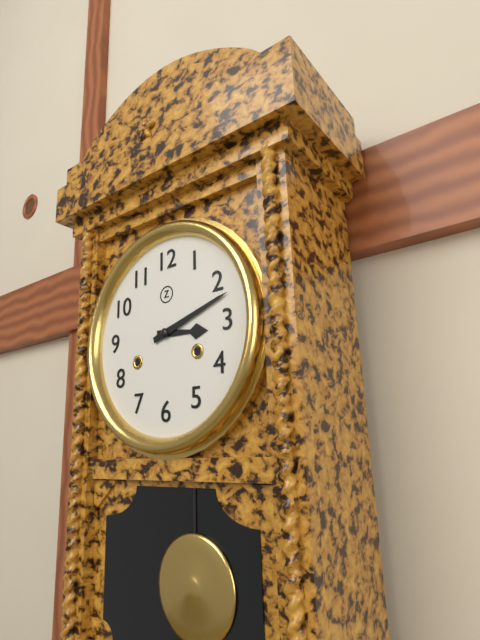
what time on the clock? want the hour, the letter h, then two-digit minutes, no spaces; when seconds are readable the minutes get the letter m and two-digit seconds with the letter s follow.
3h12
